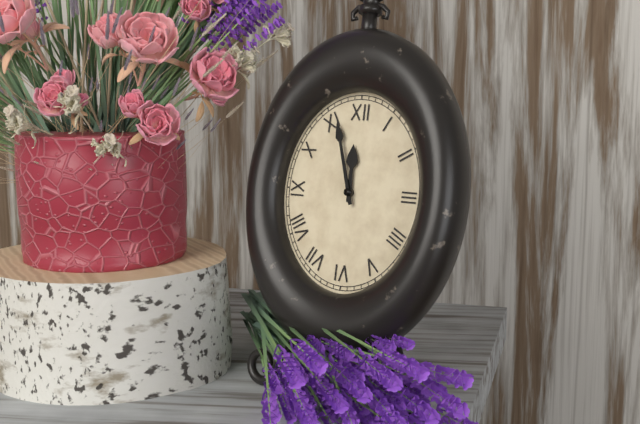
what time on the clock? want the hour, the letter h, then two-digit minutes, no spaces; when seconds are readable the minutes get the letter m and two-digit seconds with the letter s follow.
11h57
